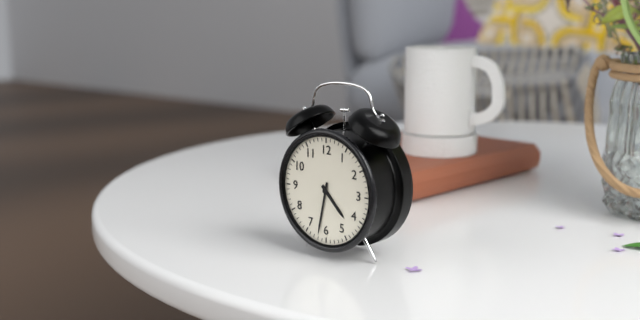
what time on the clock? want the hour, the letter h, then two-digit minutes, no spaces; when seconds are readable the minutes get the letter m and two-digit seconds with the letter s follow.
4h32
